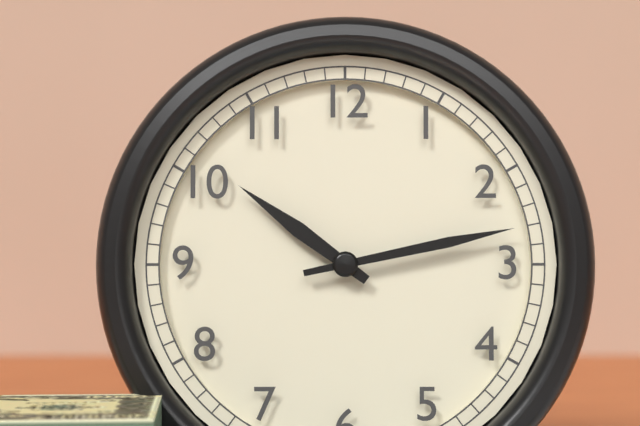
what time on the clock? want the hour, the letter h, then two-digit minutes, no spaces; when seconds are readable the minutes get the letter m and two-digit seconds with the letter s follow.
10h13
